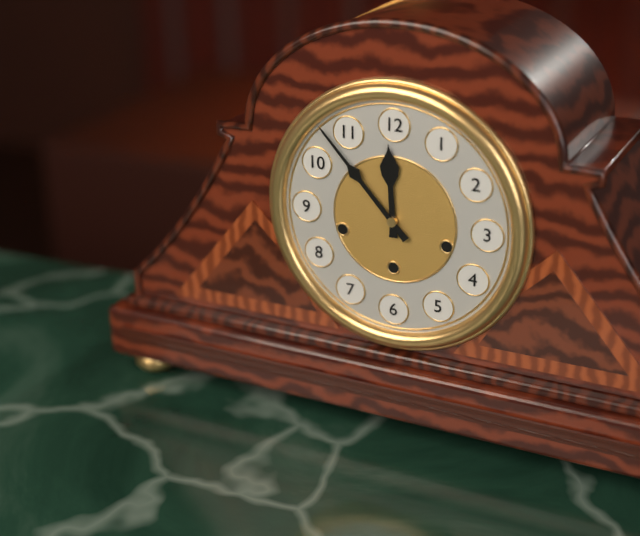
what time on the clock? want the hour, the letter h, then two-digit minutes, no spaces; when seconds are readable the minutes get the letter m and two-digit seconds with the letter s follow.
11h53
